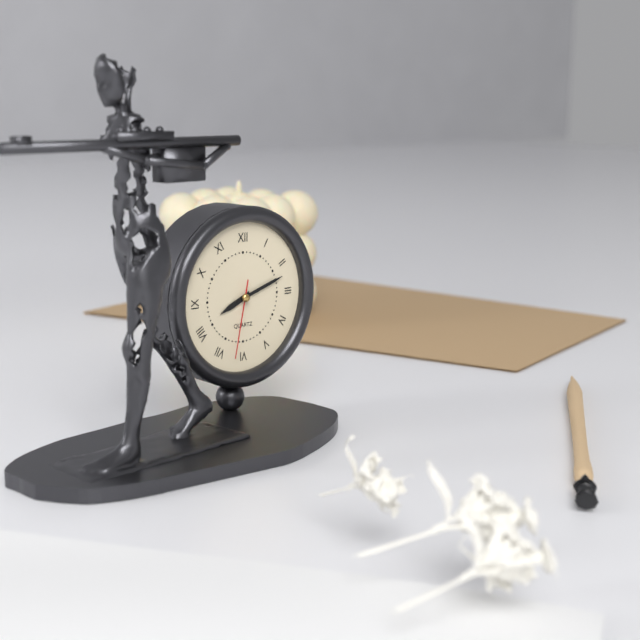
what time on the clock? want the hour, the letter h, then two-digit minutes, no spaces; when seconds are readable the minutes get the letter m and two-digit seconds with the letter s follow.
8h12m32s
